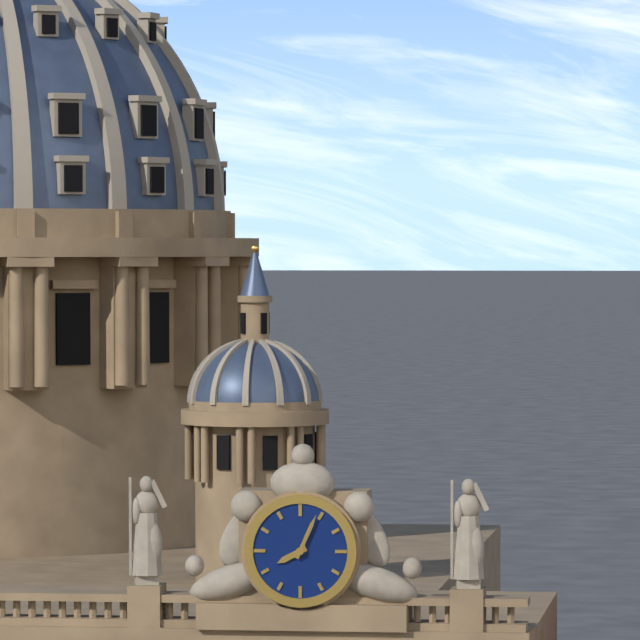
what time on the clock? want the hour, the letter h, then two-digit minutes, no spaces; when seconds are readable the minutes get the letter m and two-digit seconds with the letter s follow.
8h04
